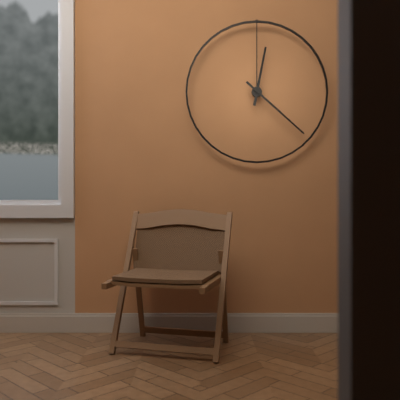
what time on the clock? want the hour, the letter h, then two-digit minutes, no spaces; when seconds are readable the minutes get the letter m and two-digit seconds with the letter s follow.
12h22
